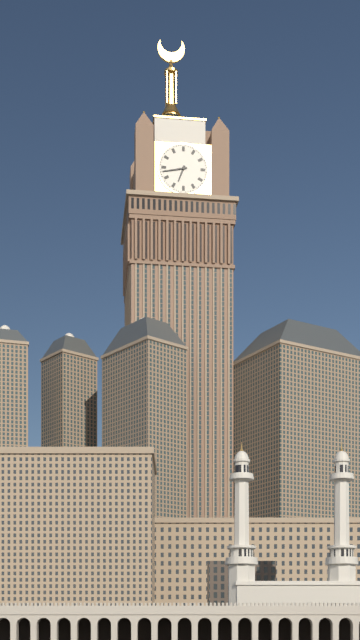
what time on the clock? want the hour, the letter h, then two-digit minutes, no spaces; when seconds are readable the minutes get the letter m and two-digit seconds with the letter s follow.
6h43
